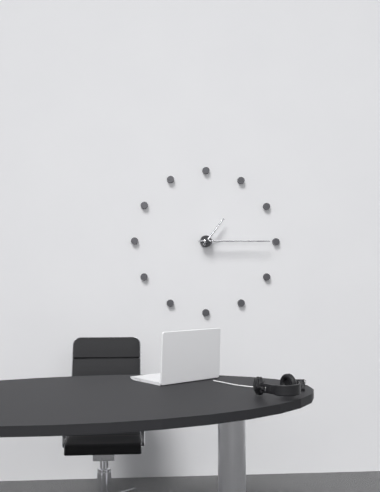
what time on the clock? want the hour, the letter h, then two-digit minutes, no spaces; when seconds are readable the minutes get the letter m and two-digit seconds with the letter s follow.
1h15
